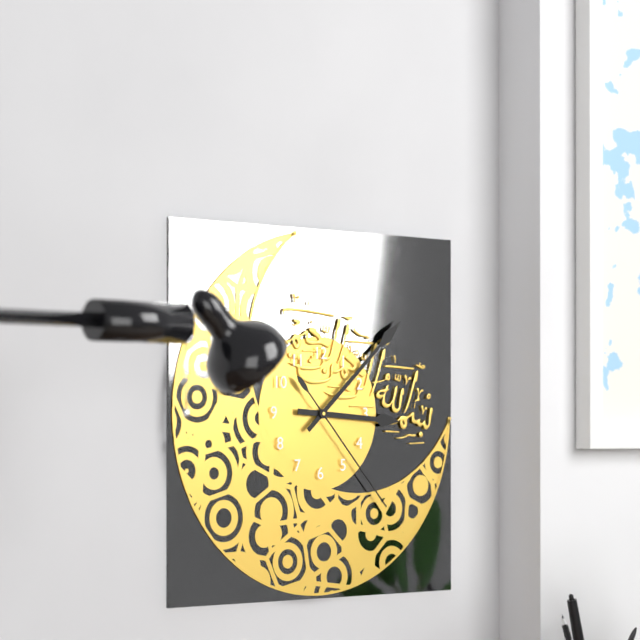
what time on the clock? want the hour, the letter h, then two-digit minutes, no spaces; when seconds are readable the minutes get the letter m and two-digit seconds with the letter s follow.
3h08m23s
